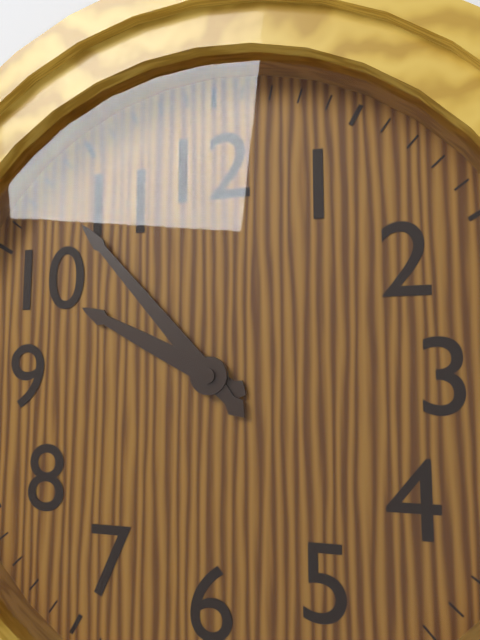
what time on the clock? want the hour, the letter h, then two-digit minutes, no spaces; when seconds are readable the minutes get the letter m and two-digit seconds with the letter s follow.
9h53
